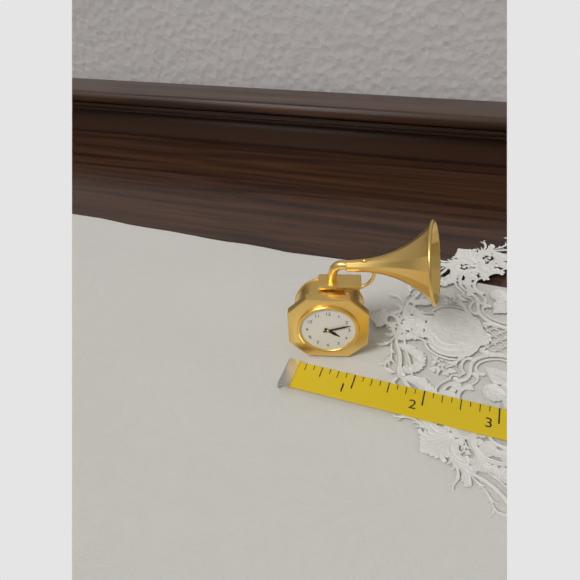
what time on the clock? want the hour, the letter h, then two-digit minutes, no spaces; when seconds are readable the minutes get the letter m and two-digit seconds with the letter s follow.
4h12
